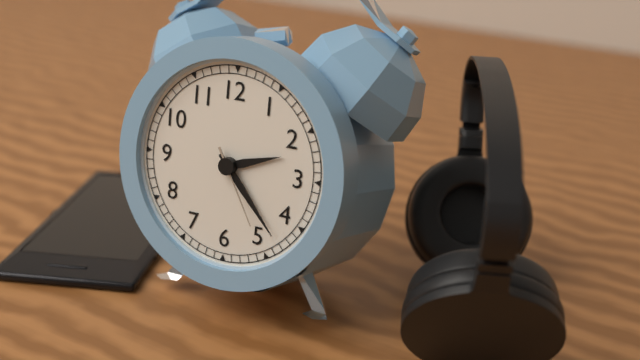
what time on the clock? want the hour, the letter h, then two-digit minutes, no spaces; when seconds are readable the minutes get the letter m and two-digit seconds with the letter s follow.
2h23m25s
